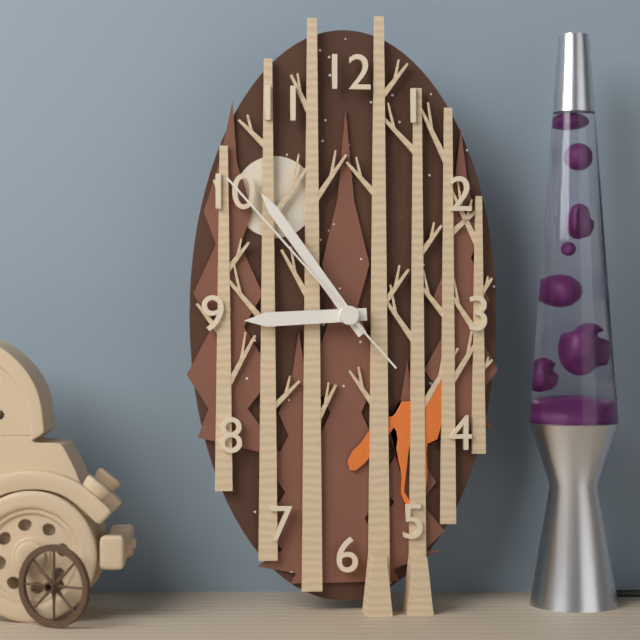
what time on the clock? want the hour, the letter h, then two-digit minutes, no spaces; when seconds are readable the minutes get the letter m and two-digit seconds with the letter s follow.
8h54m53s
